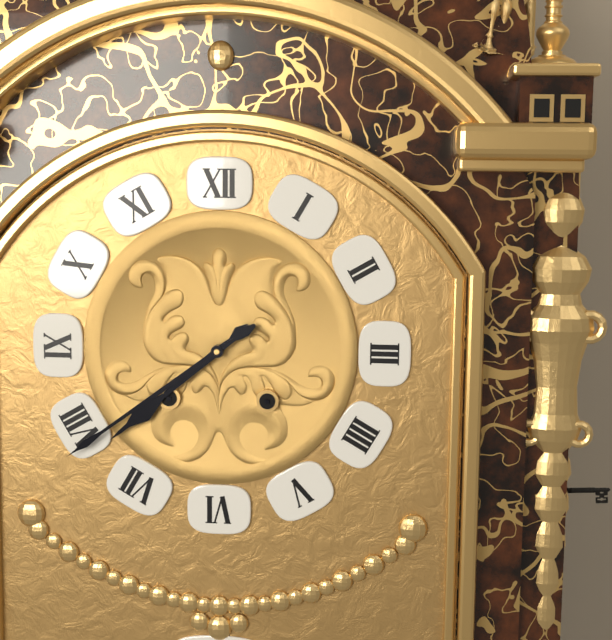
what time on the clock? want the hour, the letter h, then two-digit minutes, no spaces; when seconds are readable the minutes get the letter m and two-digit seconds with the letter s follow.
7h39
